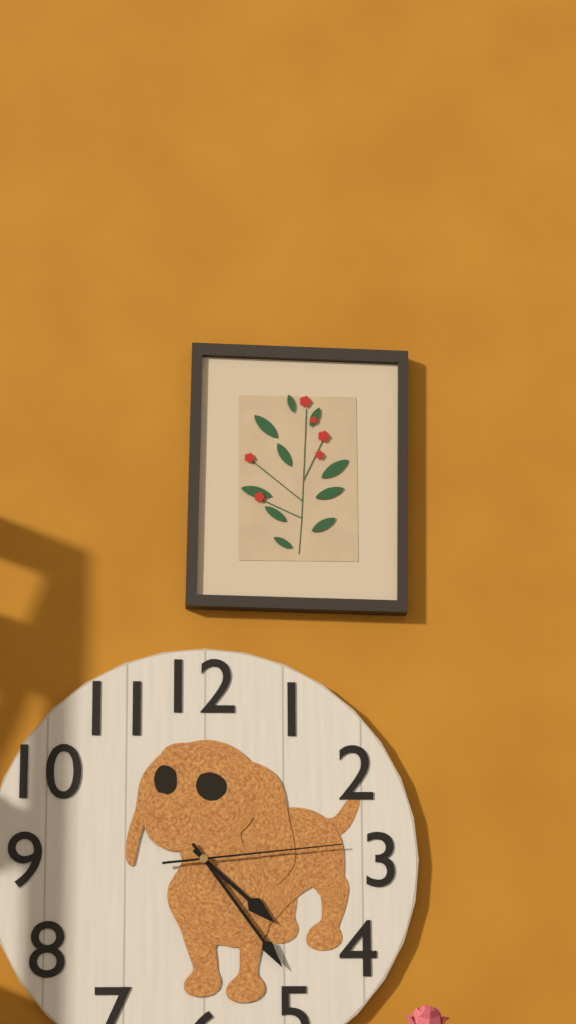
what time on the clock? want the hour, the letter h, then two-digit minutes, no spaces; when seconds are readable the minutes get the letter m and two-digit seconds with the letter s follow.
4h24m14s
